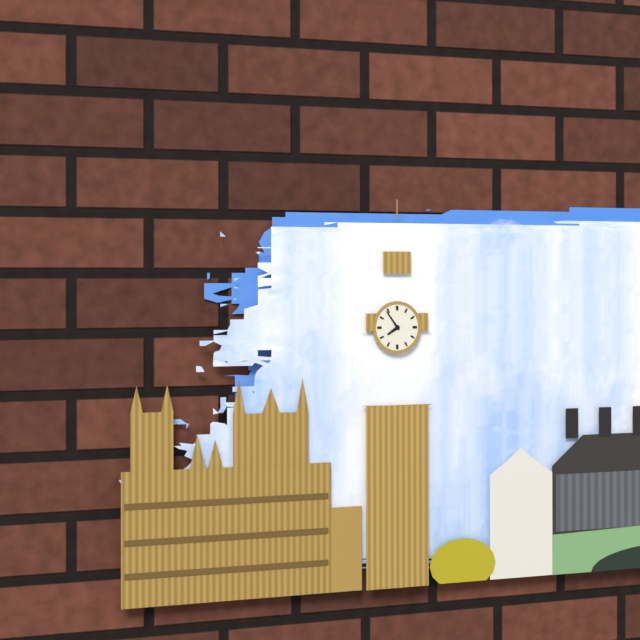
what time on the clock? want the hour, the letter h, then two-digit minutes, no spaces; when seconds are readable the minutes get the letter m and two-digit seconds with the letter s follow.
7h54
